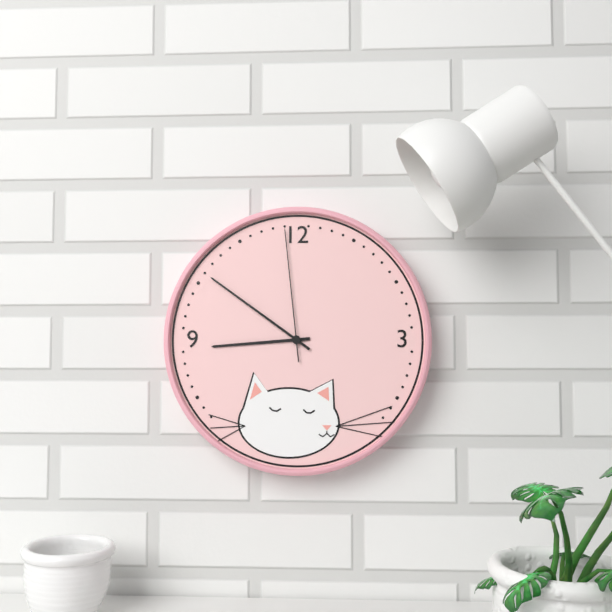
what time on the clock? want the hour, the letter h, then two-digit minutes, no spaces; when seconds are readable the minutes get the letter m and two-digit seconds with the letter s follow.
8h51m59s
